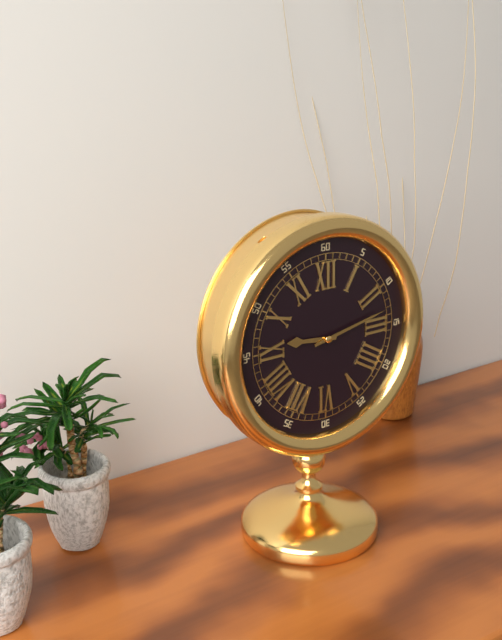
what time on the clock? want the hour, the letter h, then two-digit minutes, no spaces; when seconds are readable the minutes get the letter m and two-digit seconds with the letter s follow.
9h13
